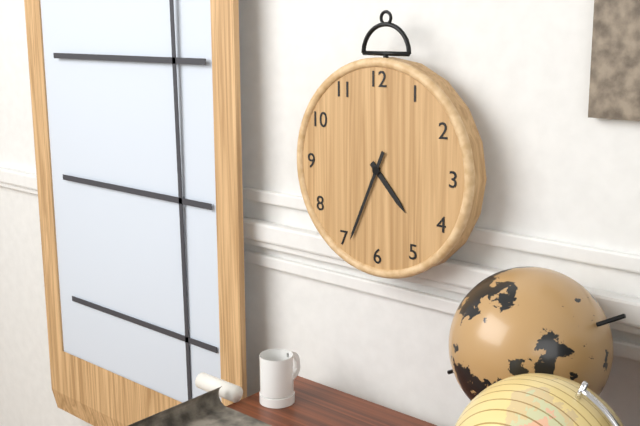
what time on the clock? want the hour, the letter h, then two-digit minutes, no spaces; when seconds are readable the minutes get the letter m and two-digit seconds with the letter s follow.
4h34
